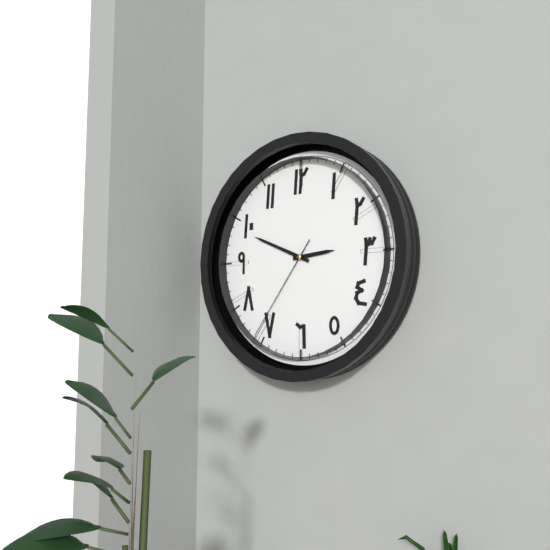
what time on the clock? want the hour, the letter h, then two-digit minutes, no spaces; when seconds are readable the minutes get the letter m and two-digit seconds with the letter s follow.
2h49m36s
